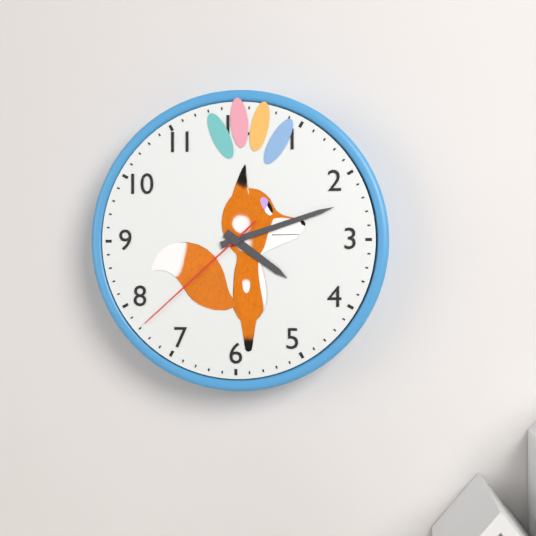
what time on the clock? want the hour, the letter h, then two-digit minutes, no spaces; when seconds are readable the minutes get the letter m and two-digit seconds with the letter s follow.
4h12m38s
